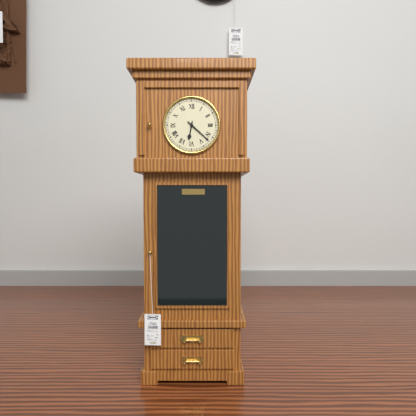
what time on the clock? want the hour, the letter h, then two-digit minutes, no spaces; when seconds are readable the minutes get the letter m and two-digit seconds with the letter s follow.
6h22
